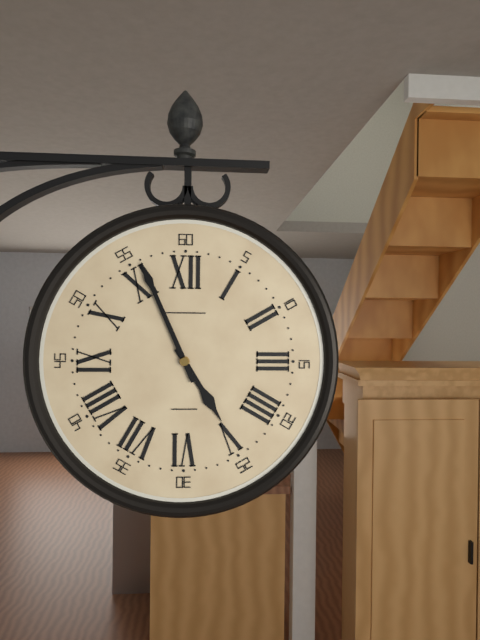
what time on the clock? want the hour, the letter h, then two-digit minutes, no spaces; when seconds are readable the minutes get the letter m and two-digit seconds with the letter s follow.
4h56
